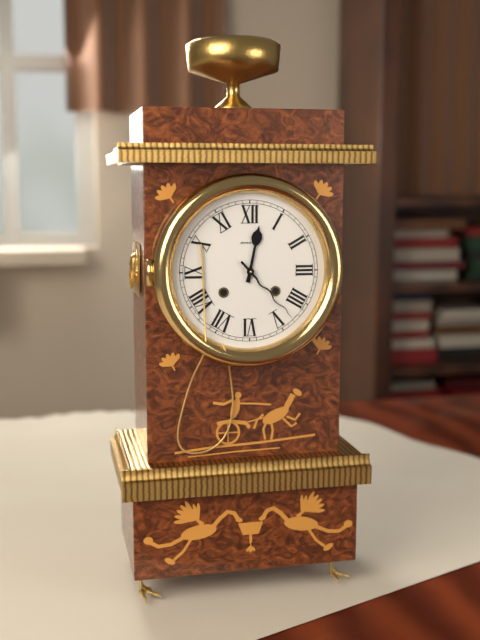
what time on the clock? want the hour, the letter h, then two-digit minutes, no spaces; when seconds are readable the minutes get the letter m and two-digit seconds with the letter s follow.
12h23
